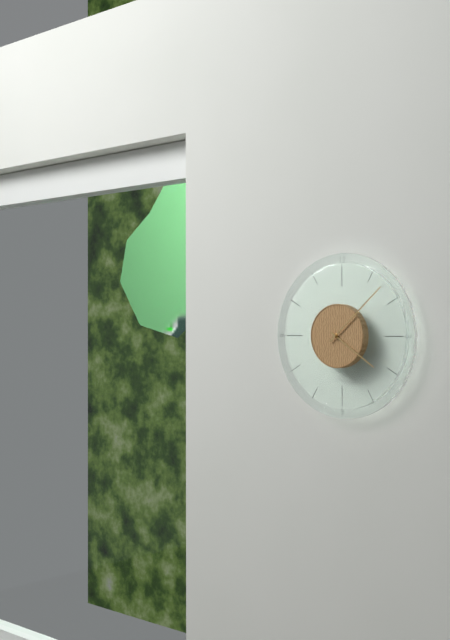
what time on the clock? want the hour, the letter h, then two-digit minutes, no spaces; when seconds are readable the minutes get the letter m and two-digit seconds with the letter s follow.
4h08
